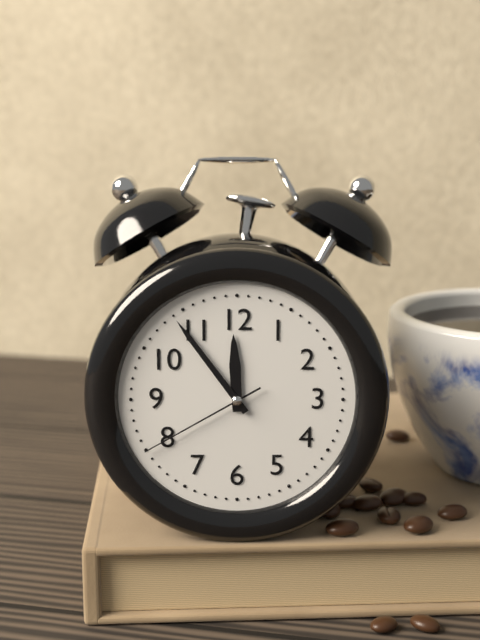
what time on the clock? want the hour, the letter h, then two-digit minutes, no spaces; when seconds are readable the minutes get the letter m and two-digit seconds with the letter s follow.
11h54m40s
